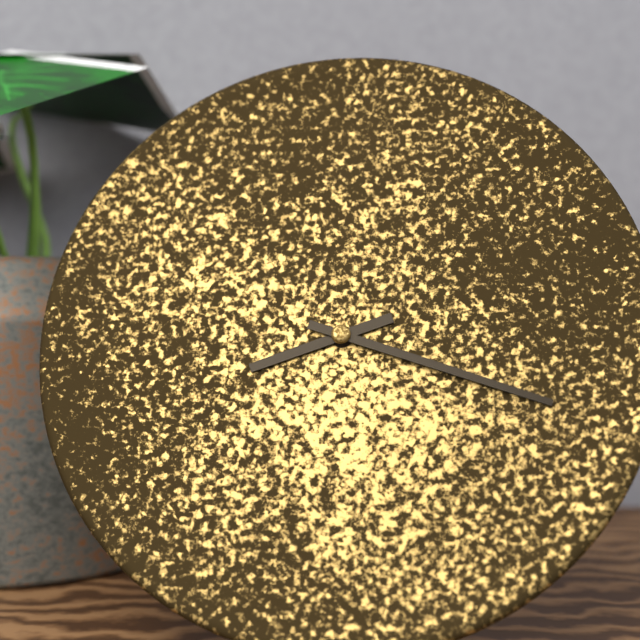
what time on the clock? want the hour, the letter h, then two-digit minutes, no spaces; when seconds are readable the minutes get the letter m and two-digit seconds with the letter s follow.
8h18
